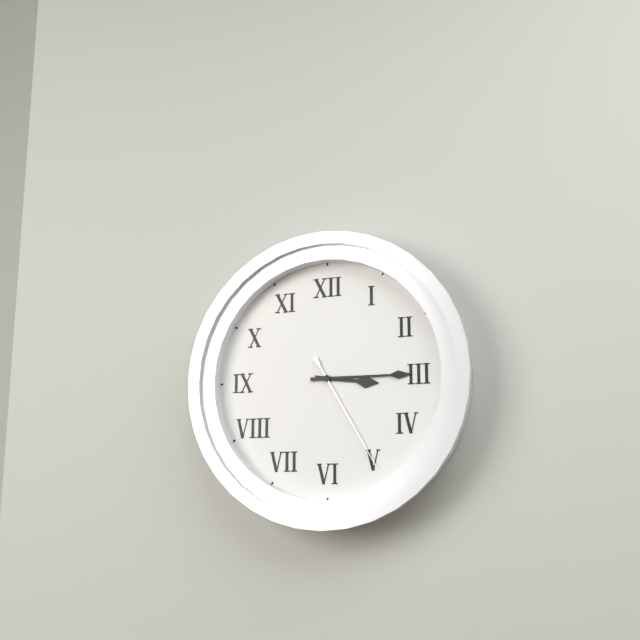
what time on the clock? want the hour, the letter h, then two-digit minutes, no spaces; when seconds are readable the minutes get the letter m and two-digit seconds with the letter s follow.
3h15m25s
